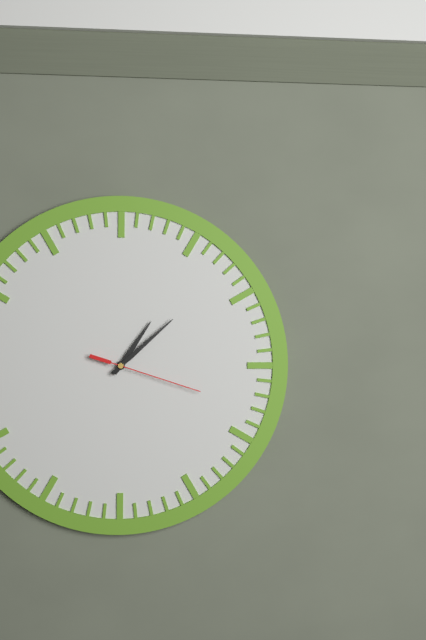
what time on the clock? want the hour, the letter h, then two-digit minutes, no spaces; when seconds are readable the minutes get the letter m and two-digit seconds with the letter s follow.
1h08m18s
